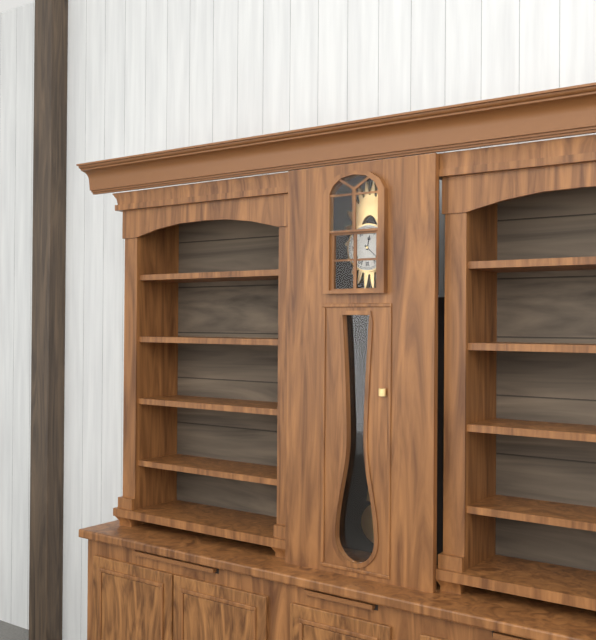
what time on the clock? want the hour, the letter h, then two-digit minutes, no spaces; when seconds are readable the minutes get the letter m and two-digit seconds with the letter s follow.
12h22
